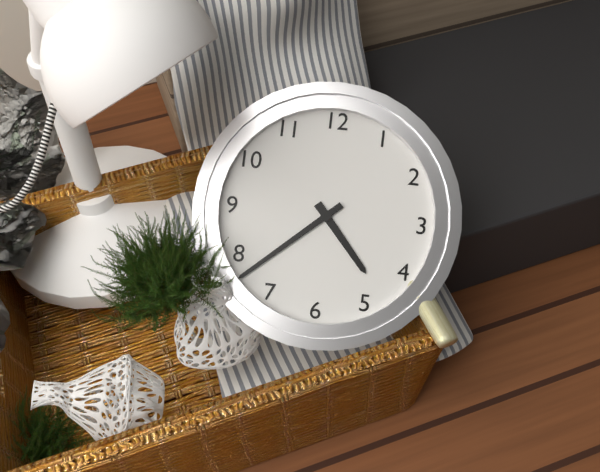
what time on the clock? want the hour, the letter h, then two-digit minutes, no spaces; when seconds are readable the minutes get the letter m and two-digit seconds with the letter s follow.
4h38
